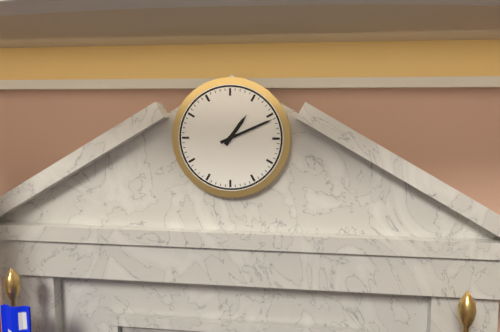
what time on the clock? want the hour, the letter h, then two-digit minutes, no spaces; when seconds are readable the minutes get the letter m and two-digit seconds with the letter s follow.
1h11
